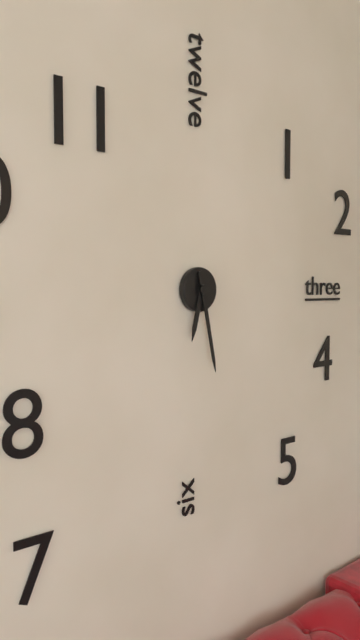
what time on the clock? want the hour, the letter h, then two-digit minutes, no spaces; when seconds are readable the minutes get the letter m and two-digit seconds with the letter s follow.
6h28
